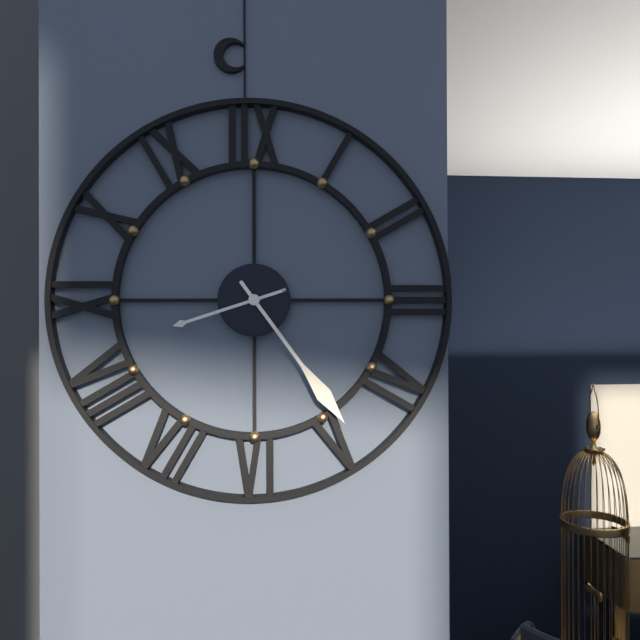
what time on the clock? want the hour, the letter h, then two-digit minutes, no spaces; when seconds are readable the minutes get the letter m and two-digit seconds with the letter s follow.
8h24
